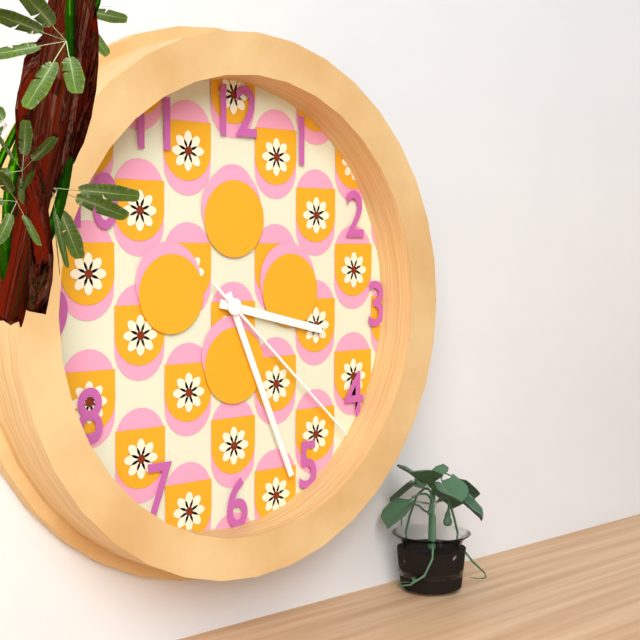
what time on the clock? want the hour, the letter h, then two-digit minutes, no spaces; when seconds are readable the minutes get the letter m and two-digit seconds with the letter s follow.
3h26m22s
